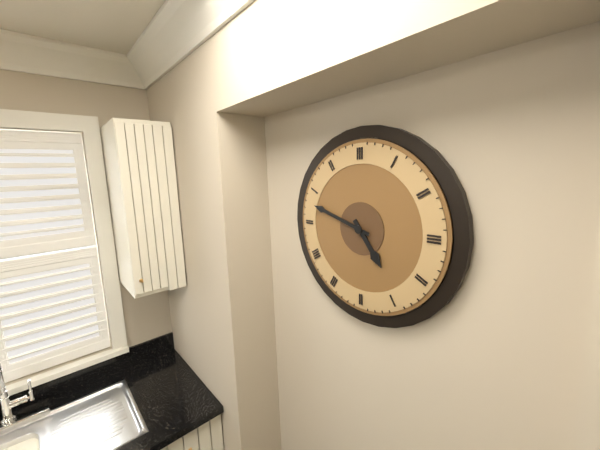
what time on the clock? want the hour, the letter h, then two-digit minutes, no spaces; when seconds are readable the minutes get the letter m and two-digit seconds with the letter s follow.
4h48
